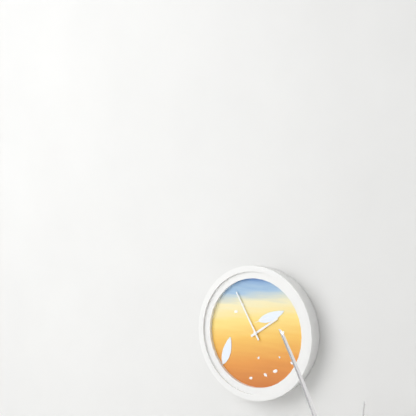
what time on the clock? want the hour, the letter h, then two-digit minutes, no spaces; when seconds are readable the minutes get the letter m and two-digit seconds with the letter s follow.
1h55
